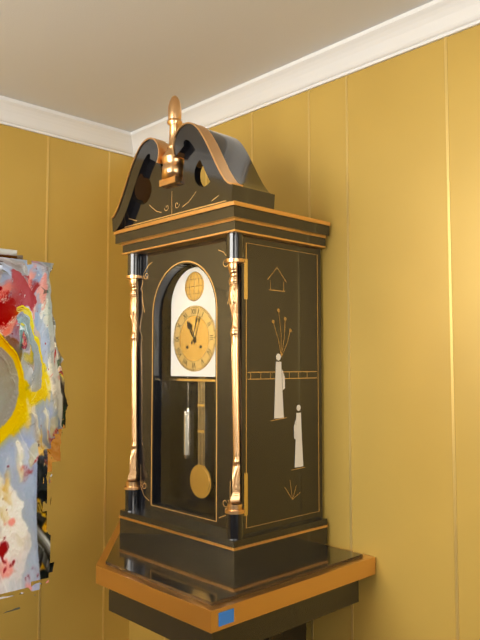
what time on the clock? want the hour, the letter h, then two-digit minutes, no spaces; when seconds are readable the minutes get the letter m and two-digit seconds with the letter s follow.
11h03
